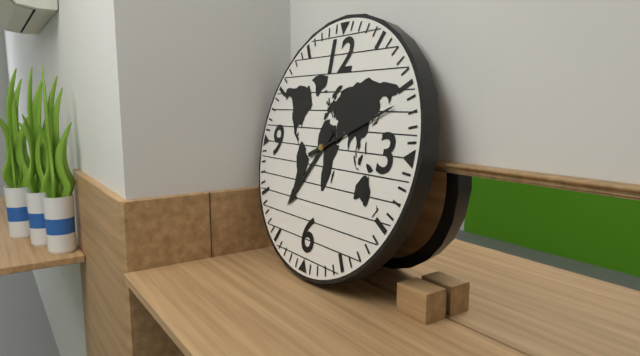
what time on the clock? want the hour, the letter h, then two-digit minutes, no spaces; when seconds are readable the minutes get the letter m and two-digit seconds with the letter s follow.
7h11
